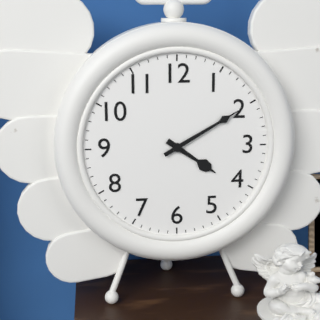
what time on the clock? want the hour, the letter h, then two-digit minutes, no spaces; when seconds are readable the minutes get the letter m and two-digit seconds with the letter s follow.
4h10
